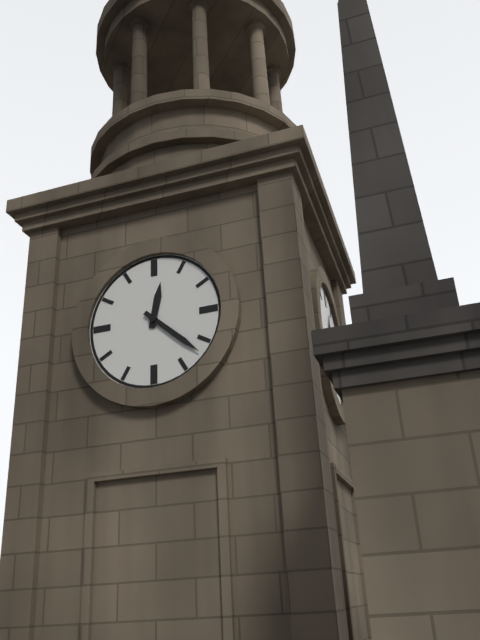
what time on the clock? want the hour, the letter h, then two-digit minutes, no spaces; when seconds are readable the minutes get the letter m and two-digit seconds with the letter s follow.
12h22
